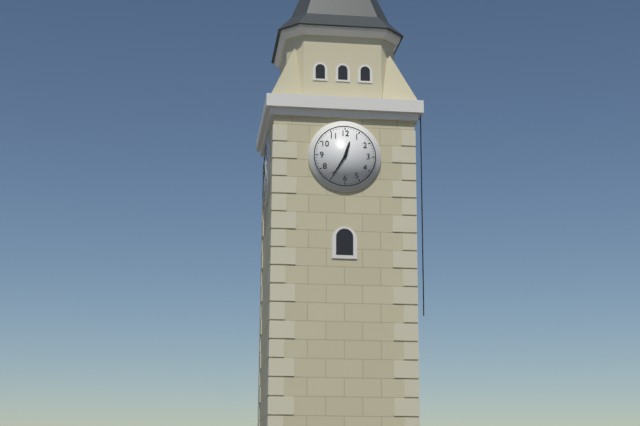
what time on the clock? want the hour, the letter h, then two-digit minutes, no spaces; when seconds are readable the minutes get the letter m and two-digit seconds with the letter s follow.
12h35
